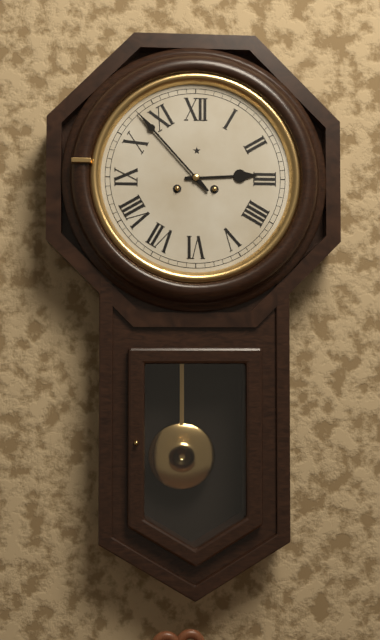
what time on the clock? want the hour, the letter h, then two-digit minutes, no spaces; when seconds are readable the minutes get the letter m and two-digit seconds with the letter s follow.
2h53
